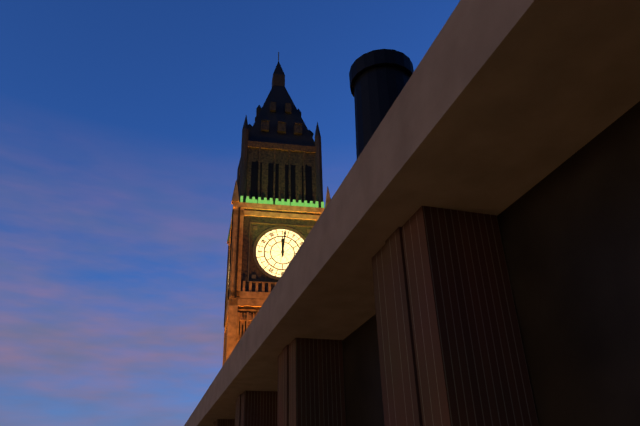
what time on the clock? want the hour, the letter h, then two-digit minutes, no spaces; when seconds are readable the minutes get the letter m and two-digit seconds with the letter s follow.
12h01
